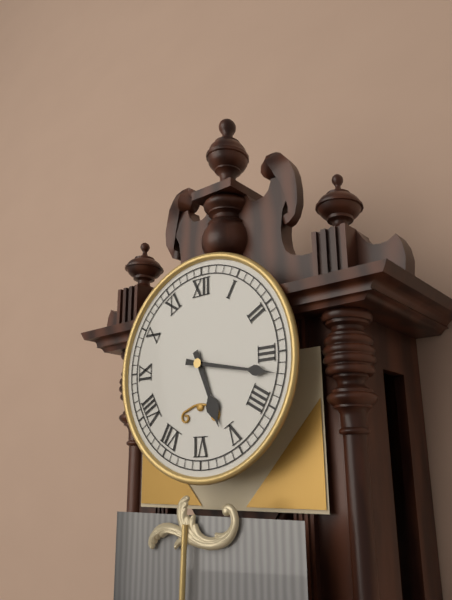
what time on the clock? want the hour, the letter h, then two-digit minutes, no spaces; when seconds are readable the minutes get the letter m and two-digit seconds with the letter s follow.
5h17
